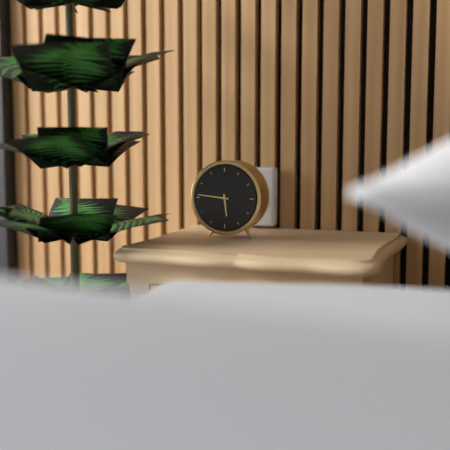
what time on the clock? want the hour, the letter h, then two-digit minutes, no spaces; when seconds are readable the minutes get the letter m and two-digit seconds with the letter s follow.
5h46
